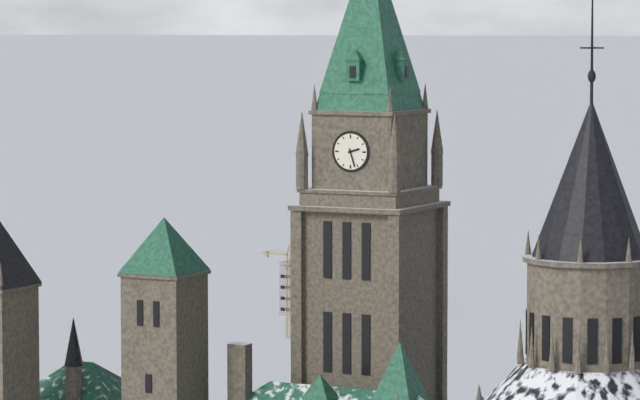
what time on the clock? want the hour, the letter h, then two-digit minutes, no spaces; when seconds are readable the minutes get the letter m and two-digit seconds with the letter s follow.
2h27
